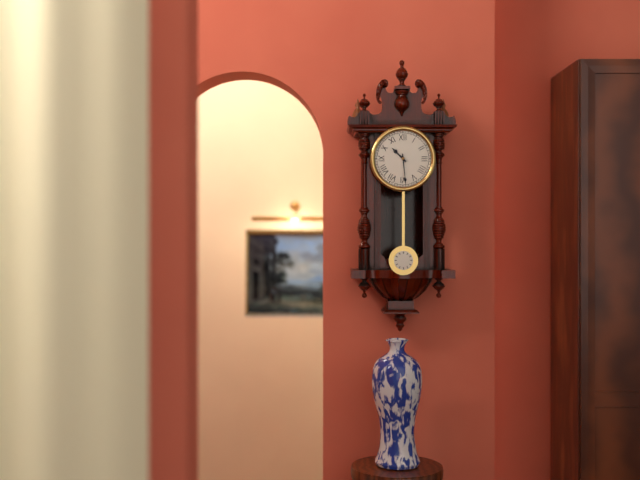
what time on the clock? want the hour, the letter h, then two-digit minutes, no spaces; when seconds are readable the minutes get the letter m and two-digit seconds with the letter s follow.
10h29
